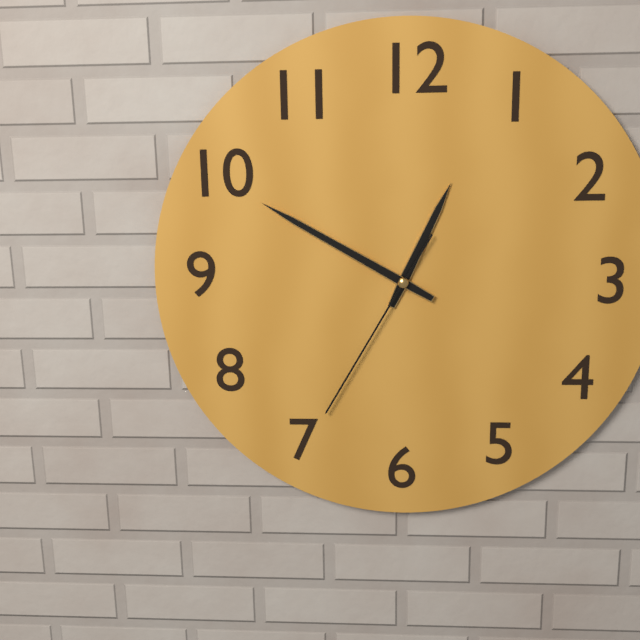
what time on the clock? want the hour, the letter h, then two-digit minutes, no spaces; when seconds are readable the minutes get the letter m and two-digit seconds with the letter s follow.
12h50m35s
